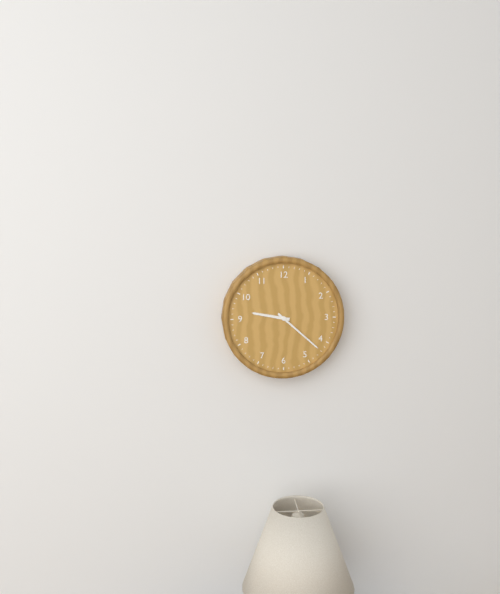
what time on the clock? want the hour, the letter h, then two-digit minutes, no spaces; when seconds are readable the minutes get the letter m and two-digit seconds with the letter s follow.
9h22
